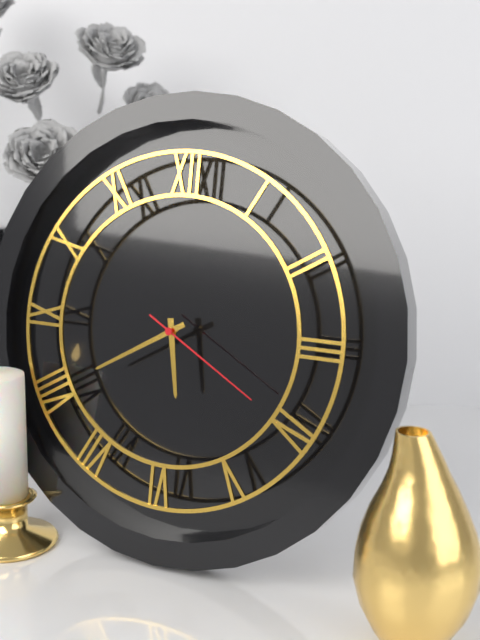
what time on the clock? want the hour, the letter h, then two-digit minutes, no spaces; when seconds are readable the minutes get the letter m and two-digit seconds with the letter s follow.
5h40m20s
